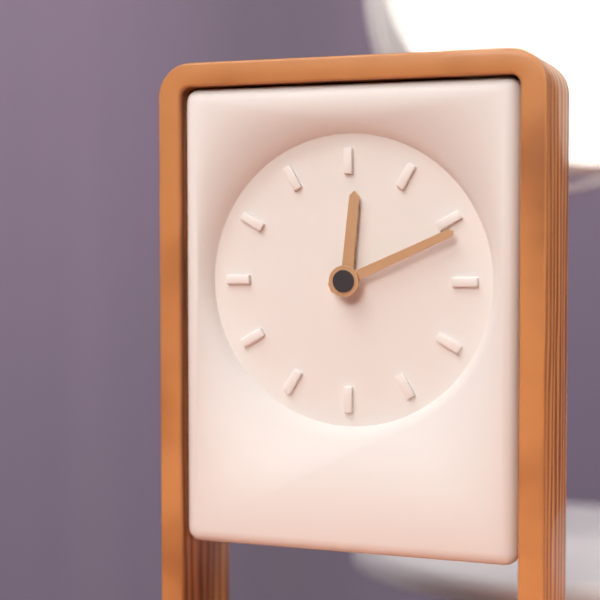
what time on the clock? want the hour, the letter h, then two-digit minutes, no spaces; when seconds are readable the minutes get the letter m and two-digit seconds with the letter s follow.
12h11
